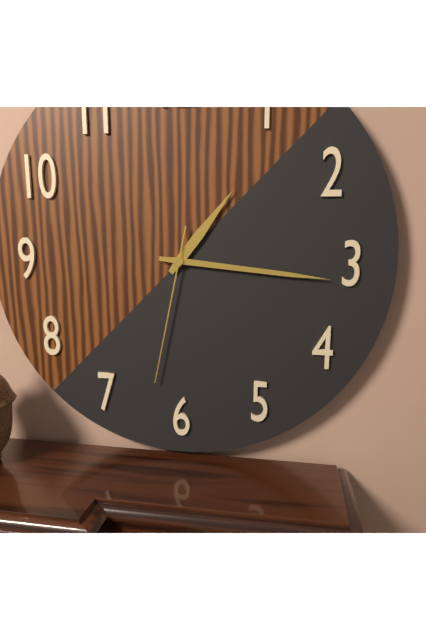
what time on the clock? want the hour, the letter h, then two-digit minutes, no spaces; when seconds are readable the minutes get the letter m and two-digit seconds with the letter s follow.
1h16m32s
